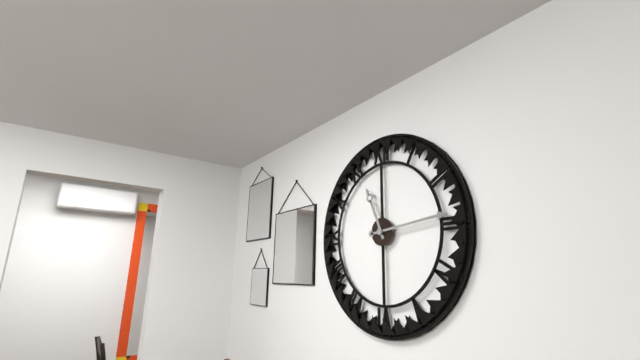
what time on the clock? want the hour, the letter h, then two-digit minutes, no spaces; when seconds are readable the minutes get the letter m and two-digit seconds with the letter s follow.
11h14
